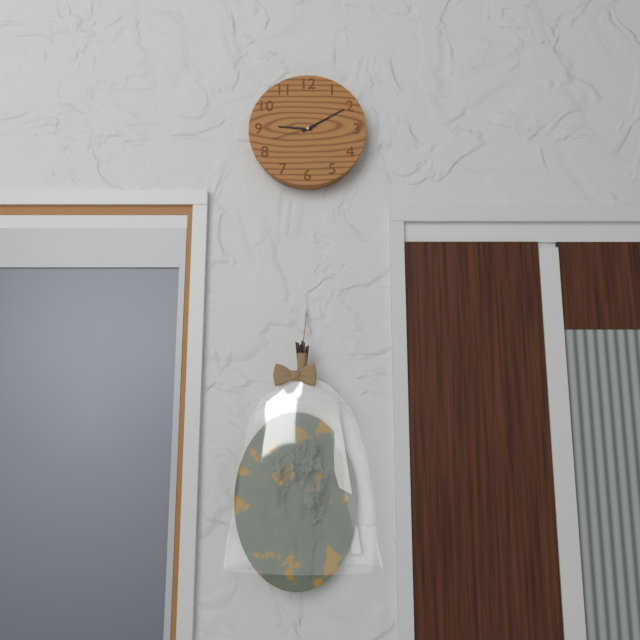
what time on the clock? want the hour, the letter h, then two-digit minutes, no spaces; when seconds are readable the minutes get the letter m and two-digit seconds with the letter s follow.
9h10
